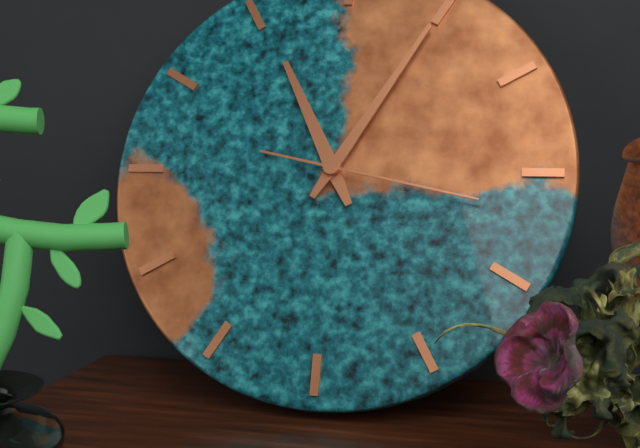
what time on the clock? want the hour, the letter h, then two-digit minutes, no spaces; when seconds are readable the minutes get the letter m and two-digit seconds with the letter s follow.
11h05m17s
